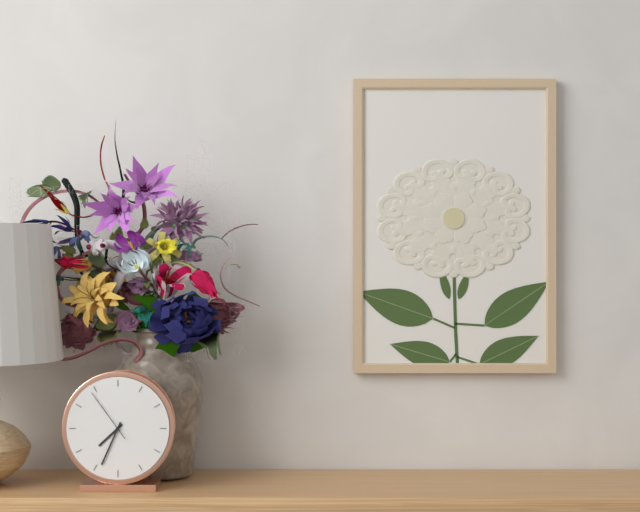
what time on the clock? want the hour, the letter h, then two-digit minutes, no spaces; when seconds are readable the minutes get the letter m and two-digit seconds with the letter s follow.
7h34m54s
